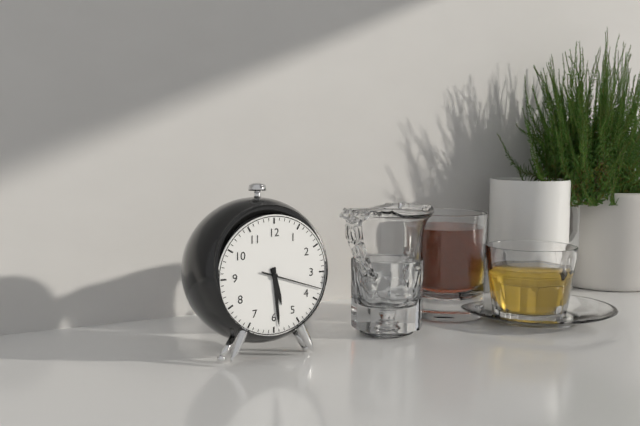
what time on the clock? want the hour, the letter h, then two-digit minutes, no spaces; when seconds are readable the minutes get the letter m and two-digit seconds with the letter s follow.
5h29m18s
